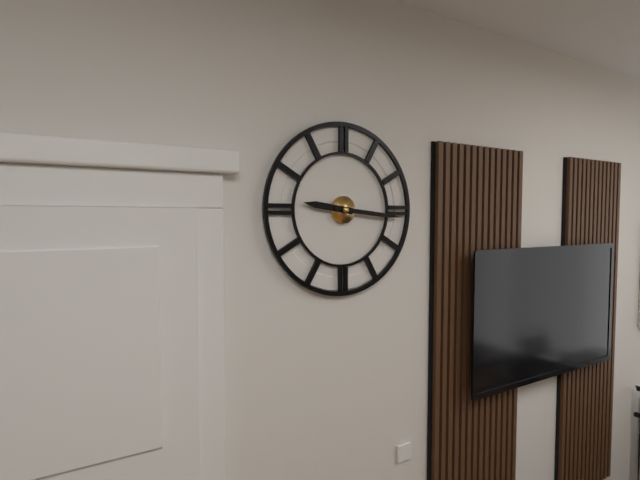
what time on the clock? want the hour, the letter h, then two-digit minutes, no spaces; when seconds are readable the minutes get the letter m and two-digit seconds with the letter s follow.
9h16
